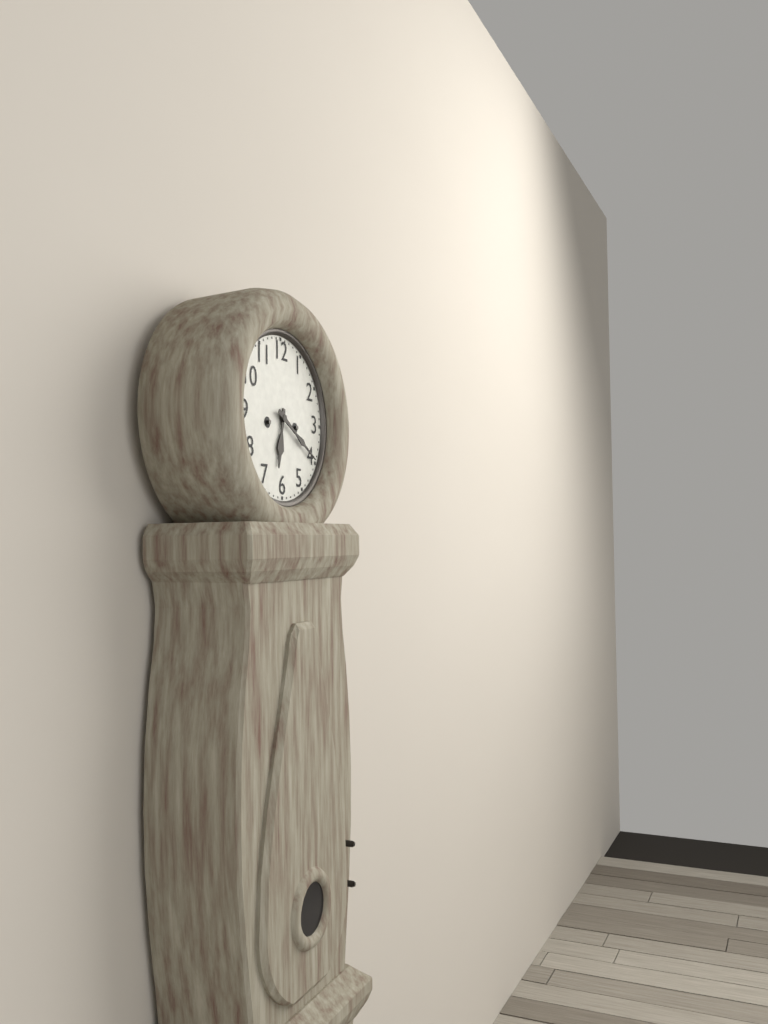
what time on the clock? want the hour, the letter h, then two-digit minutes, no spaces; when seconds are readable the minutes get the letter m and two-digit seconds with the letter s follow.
6h20
